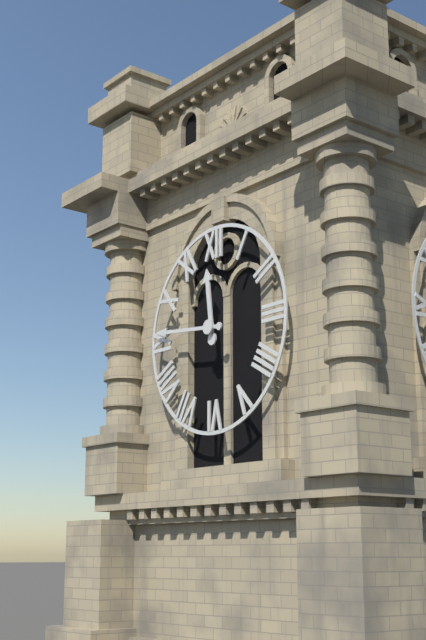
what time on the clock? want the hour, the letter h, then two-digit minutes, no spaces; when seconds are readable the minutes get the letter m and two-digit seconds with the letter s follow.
11h46
